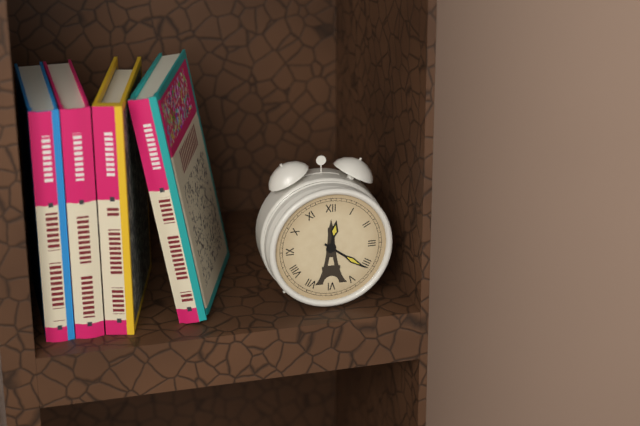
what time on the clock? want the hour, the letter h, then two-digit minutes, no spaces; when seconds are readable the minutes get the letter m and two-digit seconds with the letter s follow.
12h21
